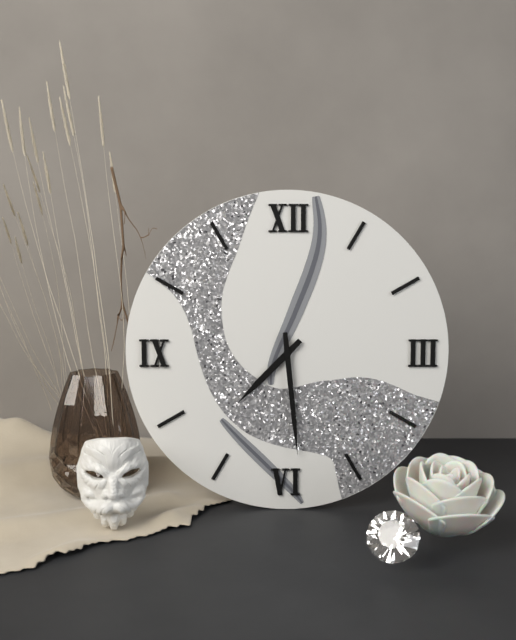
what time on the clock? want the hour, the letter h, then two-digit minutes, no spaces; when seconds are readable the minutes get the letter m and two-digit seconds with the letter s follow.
7h29
